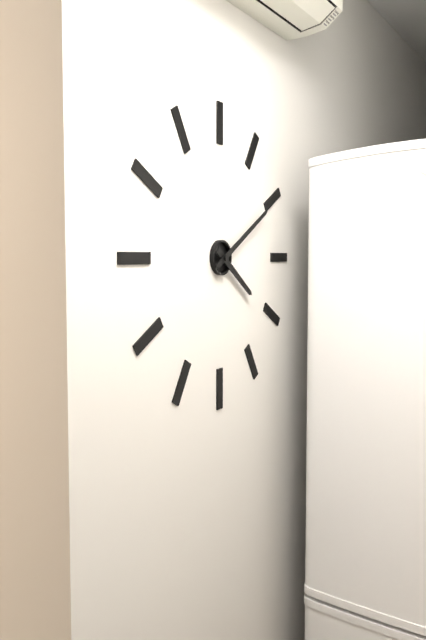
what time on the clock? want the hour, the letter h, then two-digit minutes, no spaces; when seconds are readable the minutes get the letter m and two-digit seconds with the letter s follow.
4h10
